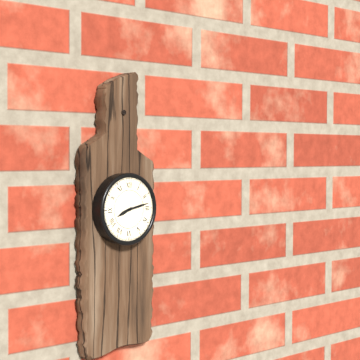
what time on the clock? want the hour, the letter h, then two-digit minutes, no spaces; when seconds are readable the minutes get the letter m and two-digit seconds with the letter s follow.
8h13
